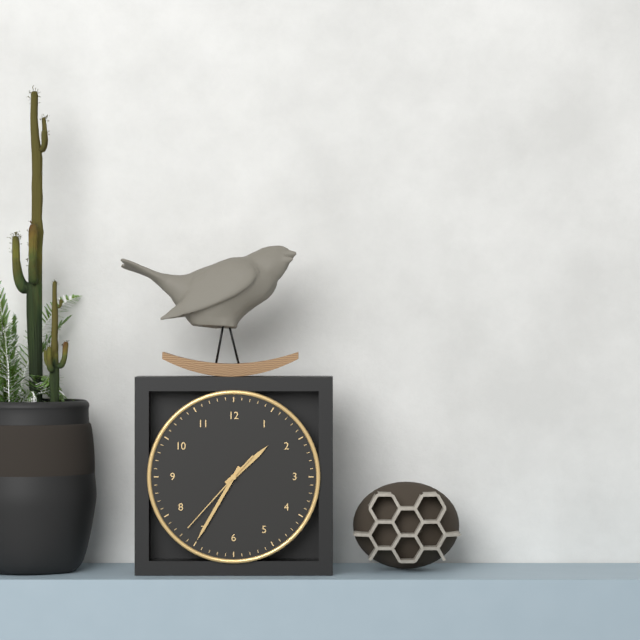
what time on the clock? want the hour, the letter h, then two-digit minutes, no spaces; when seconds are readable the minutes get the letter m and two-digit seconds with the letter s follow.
1h35m37s
